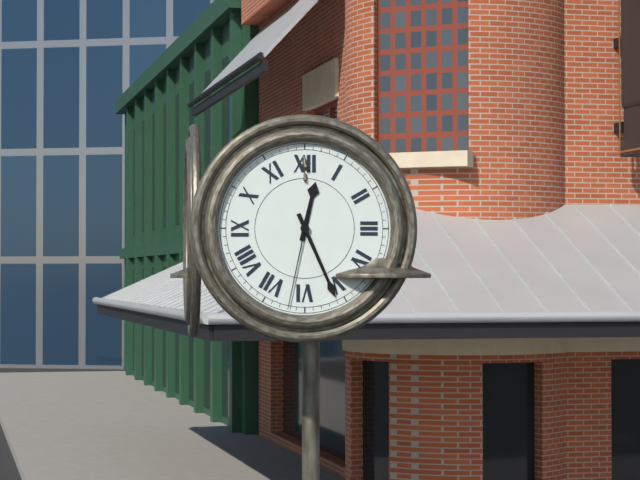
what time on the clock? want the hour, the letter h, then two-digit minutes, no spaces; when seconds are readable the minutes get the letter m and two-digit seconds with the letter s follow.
12h26m32s
